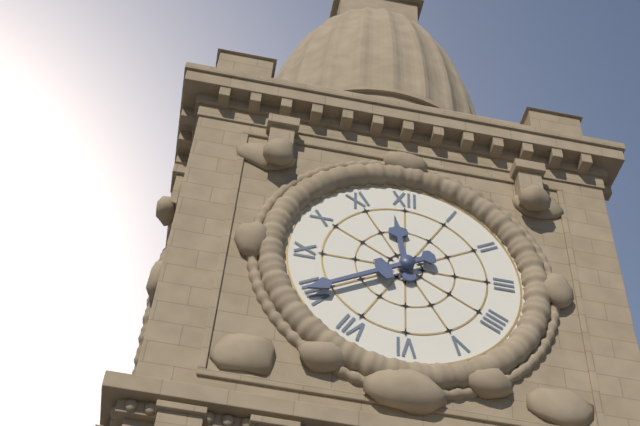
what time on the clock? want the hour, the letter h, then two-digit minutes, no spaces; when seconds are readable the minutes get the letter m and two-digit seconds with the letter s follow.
11h40
